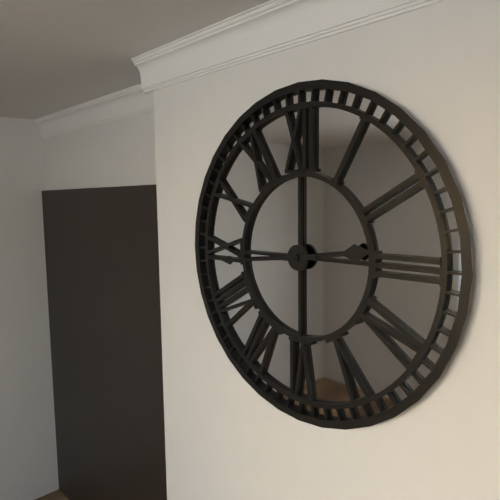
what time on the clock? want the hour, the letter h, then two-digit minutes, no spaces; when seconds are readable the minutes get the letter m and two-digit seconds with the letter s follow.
2h44
